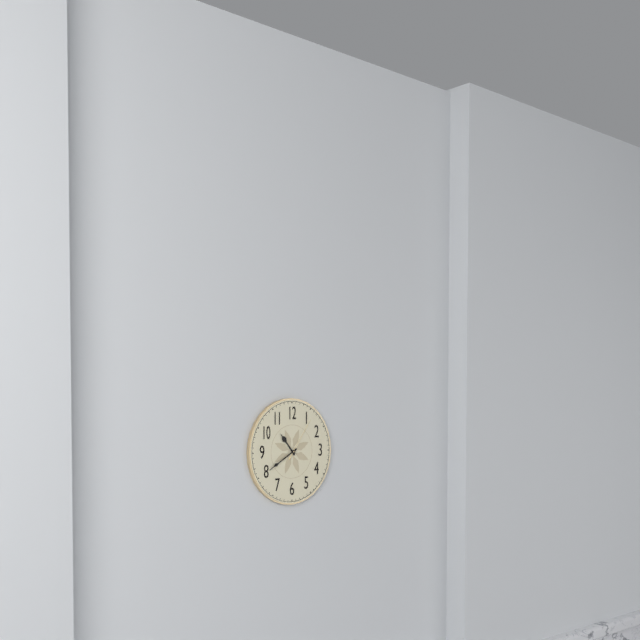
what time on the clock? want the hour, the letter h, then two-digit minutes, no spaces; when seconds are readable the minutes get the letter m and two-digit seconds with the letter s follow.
10h40
